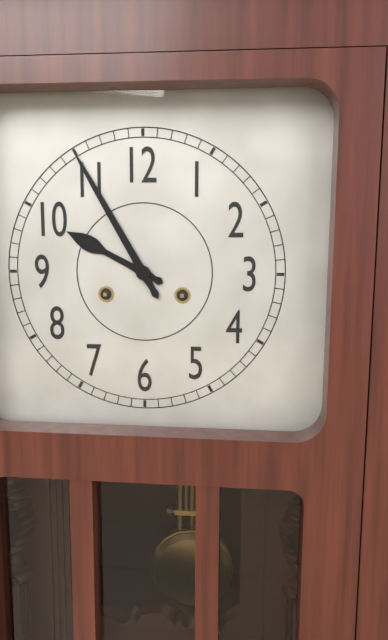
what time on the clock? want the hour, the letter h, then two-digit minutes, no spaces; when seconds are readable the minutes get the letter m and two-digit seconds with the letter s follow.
9h55
